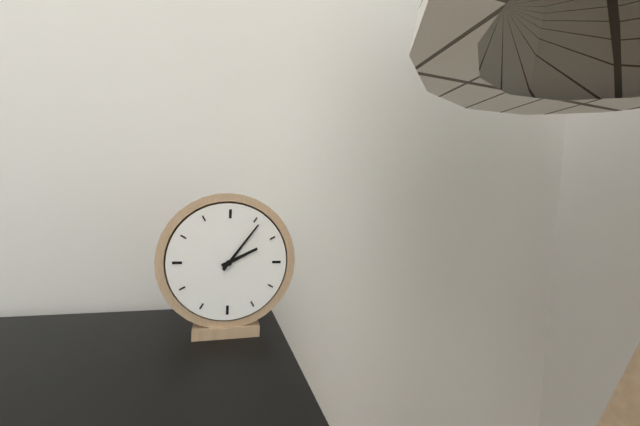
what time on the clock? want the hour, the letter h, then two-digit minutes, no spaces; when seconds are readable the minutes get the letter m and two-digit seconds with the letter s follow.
2h06
